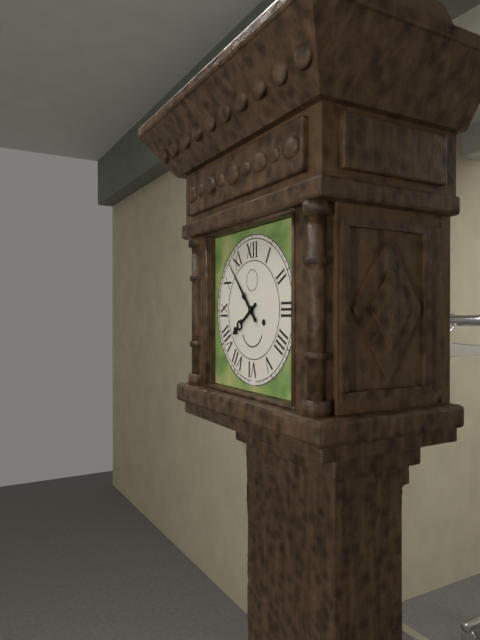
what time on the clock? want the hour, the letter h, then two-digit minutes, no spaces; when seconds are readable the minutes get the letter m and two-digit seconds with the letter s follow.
7h53
